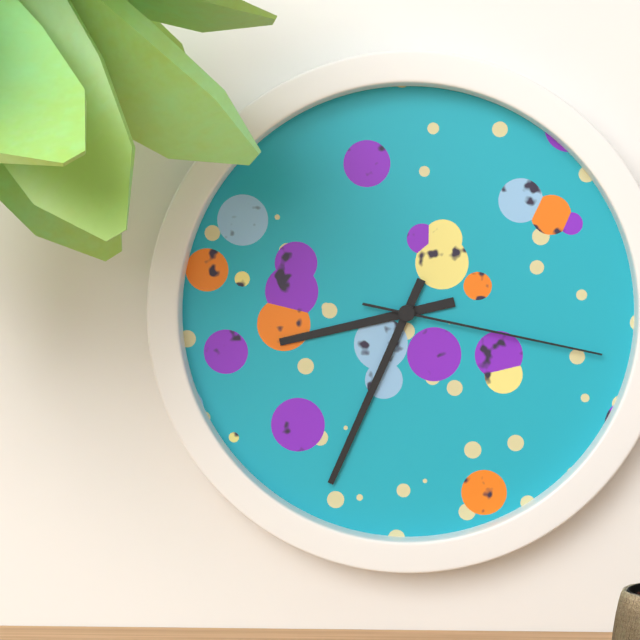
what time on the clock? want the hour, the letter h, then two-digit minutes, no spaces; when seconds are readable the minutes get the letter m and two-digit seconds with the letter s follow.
8h34m17s
